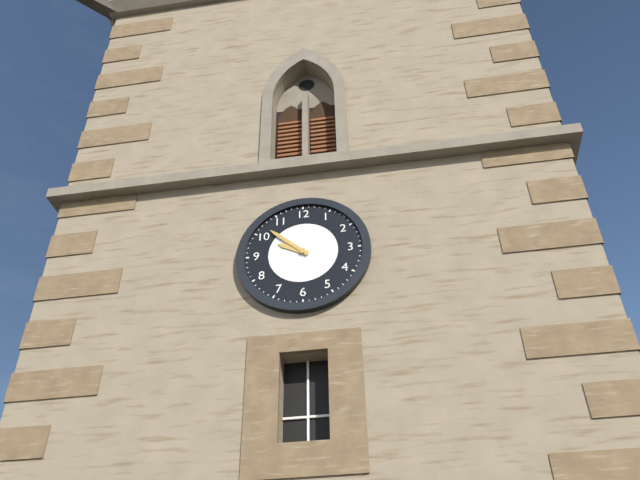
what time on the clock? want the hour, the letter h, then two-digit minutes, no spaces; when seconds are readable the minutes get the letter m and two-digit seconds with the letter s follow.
9h52
